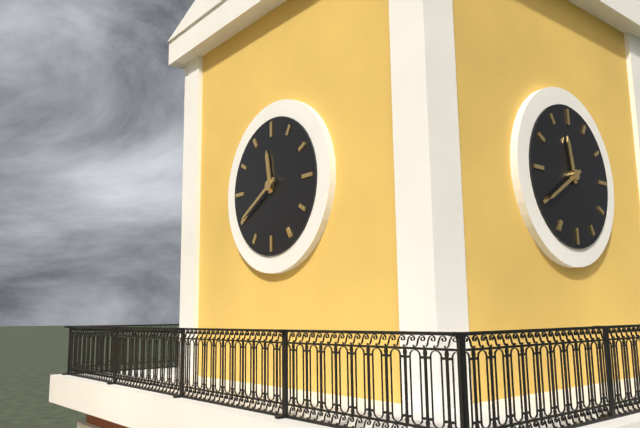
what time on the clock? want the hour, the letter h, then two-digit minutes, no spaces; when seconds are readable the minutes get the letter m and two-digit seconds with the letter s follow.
11h40
